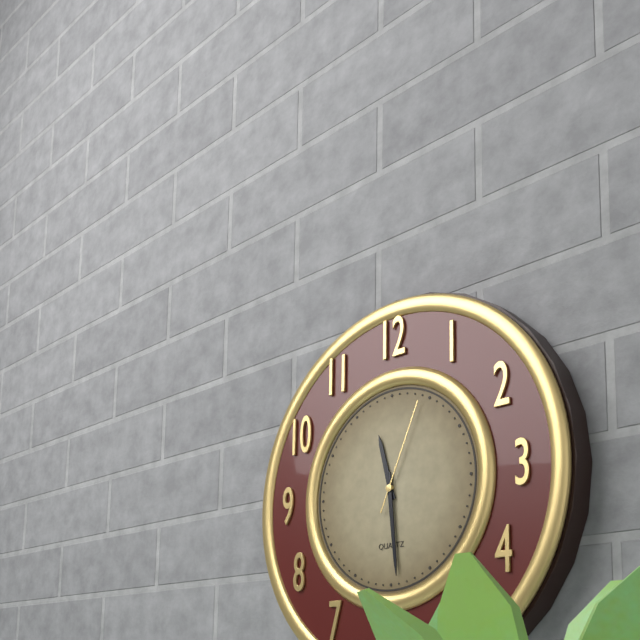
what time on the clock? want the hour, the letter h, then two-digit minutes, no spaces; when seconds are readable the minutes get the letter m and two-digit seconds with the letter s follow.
11h29m04s
